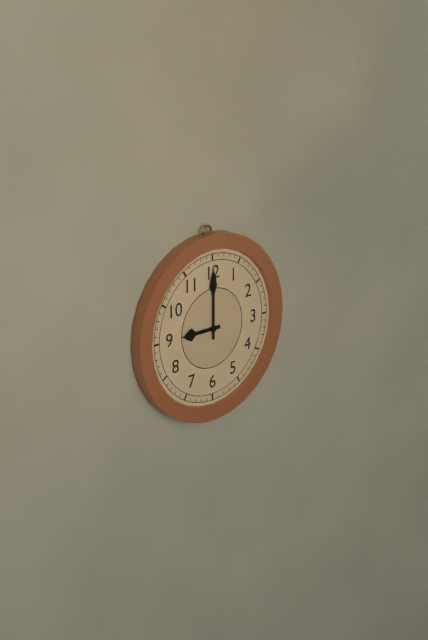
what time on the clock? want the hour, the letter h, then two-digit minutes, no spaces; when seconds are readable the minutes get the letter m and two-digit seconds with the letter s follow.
9h00
